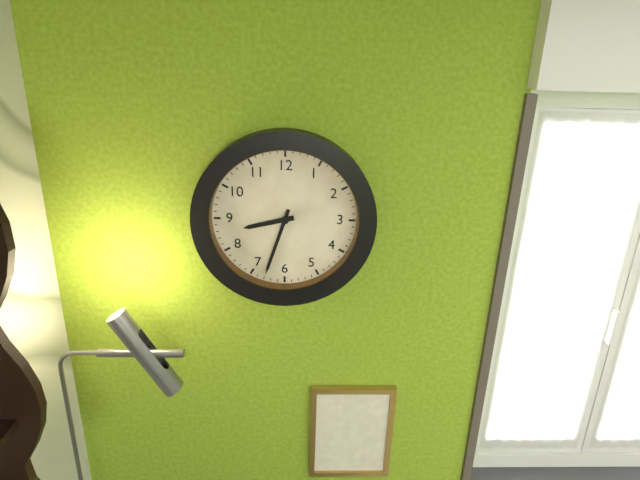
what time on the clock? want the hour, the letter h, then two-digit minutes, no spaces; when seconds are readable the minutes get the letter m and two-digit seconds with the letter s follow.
8h33
